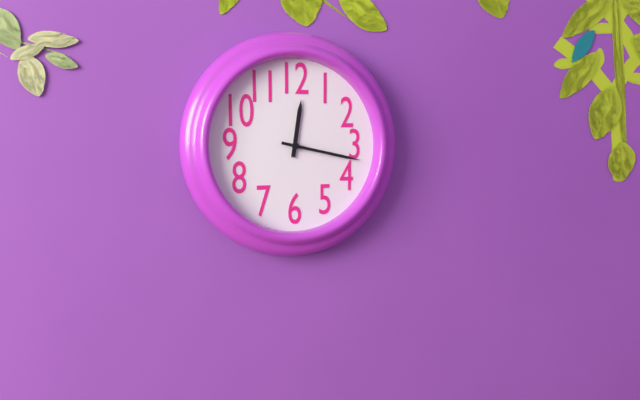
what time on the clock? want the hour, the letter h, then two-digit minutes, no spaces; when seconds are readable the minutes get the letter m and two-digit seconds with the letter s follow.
12h17
